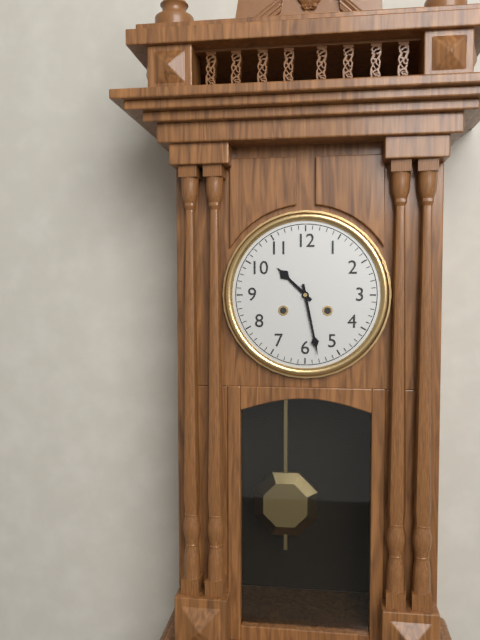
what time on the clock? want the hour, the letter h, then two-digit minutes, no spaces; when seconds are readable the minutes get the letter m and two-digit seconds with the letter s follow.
10h28
